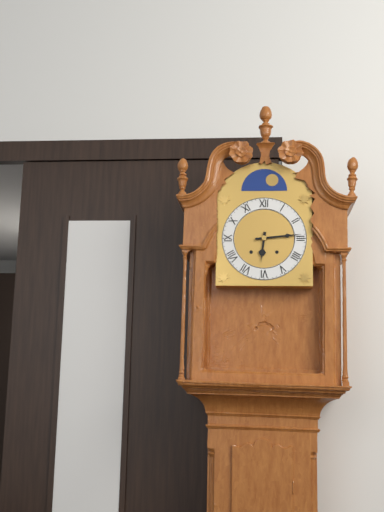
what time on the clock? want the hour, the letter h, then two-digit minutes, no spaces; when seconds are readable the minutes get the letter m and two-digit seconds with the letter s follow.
6h14
